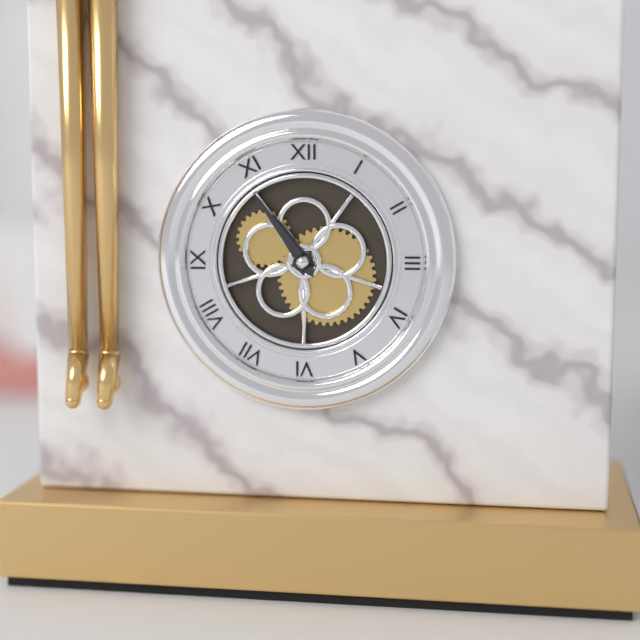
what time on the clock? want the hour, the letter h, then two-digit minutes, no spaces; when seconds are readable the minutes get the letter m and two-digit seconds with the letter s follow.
10h54
